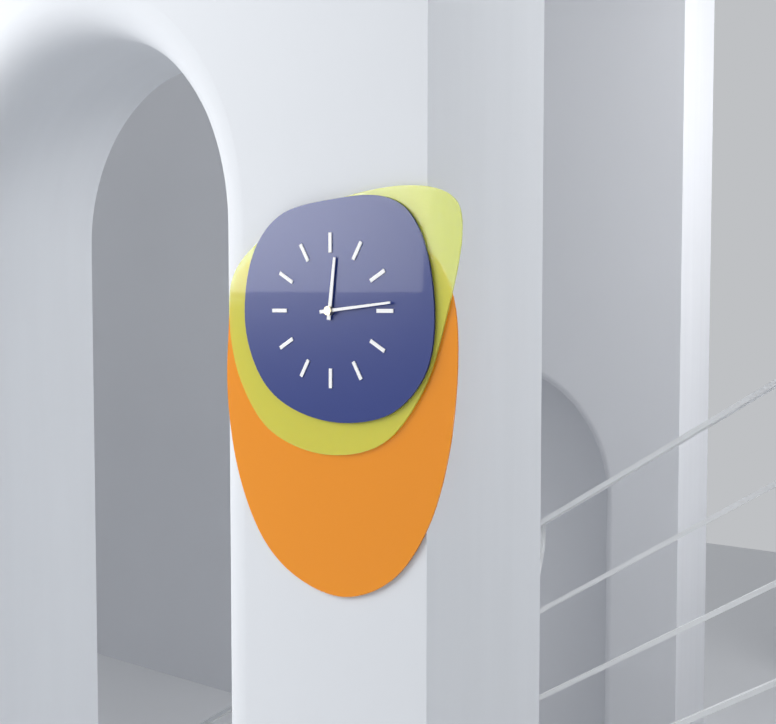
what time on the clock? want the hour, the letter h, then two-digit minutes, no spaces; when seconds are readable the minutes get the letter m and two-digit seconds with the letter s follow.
12h14
